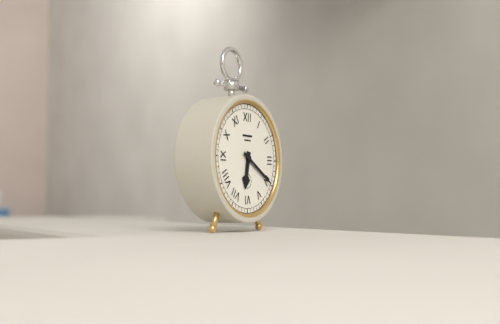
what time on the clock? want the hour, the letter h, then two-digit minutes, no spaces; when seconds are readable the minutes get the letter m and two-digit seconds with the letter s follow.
6h20
